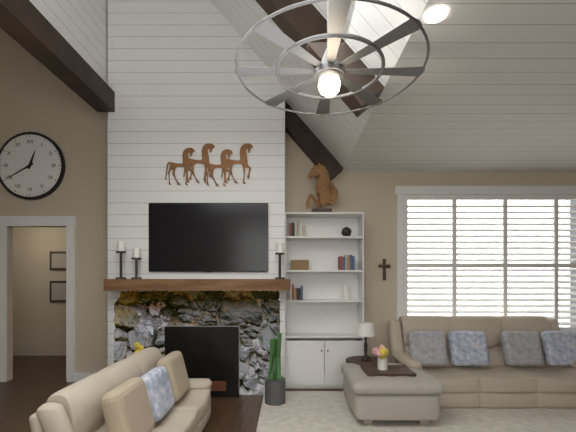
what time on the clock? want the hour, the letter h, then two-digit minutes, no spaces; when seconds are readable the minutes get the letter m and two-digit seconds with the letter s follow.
12h40
